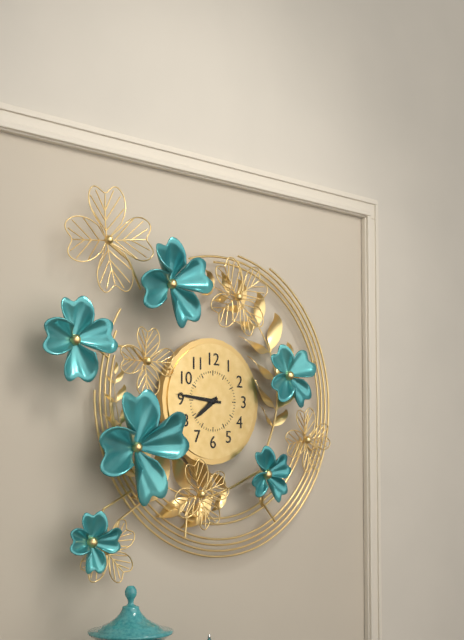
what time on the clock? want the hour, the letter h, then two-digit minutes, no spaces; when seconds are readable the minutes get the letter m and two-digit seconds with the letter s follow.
7h46
